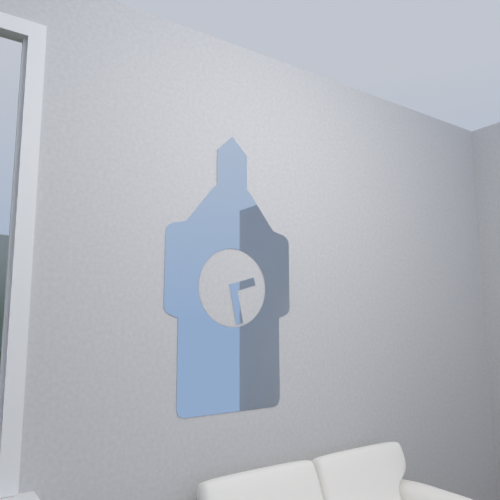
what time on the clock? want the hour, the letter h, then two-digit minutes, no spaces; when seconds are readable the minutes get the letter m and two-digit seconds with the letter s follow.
2h28
